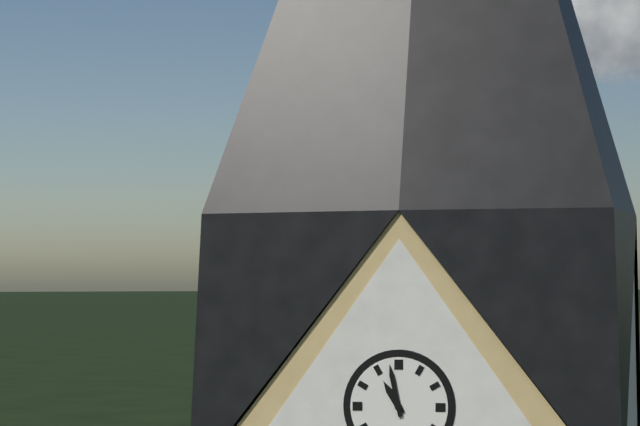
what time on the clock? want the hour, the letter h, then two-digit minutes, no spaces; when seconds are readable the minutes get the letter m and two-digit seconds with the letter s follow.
10h58
